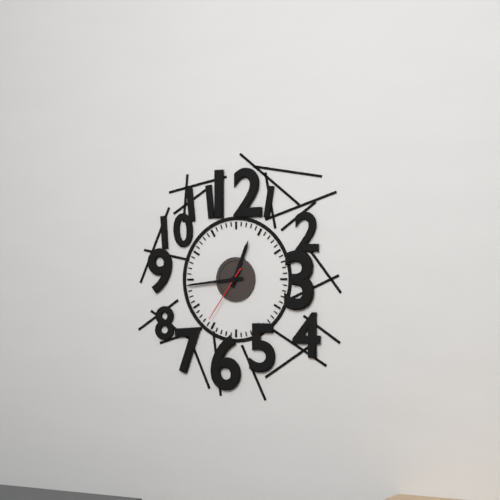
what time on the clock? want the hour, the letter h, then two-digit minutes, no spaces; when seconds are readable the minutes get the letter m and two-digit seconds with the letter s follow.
12h44m36s
